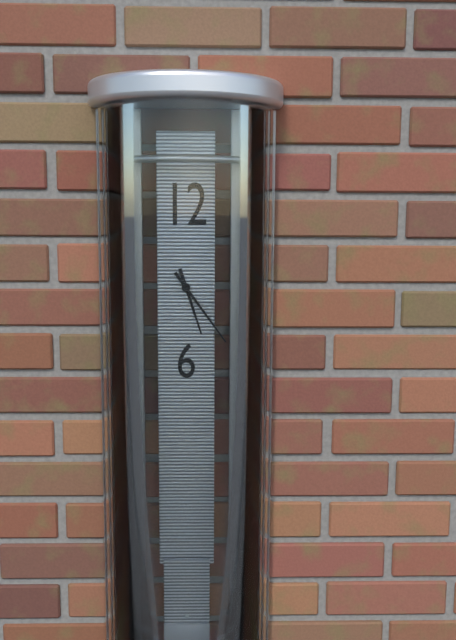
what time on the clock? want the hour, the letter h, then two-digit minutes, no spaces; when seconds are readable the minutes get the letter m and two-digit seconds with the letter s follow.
5h24
